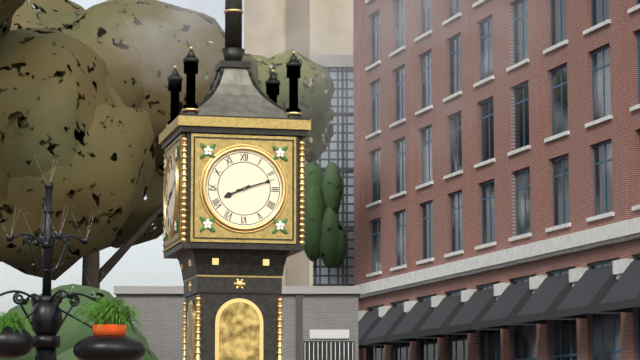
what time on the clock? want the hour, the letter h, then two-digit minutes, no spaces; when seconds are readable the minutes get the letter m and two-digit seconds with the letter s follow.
8h12
